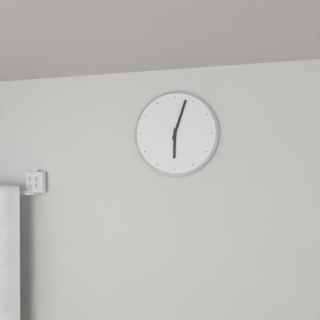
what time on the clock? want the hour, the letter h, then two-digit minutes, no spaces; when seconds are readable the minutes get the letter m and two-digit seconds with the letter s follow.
6h03
